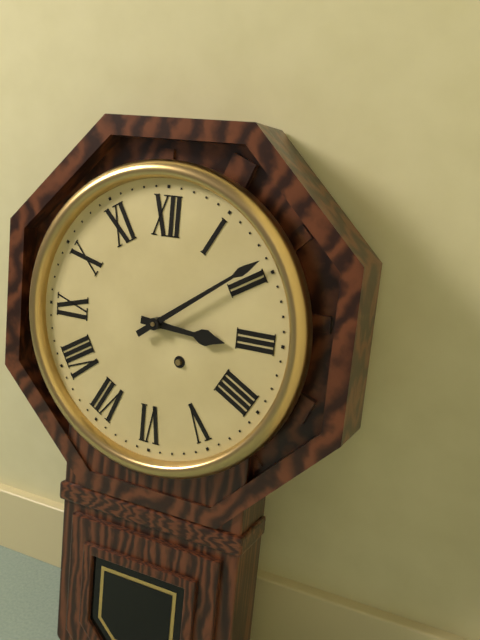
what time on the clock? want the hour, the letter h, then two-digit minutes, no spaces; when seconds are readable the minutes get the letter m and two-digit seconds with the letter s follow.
3h09
